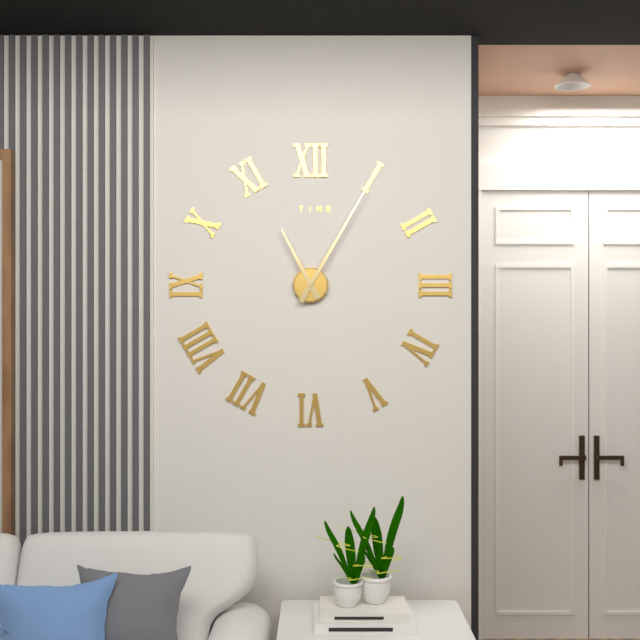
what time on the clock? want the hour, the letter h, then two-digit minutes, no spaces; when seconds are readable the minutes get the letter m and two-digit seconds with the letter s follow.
11h05
